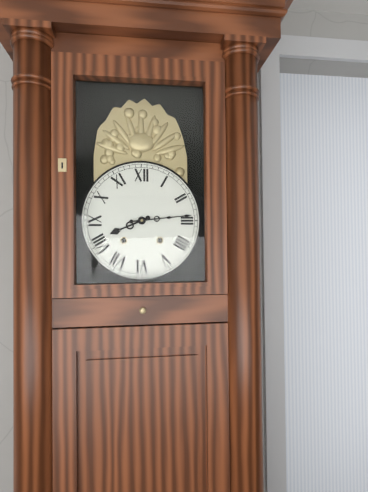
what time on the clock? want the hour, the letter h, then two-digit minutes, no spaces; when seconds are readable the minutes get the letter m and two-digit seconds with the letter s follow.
8h14
